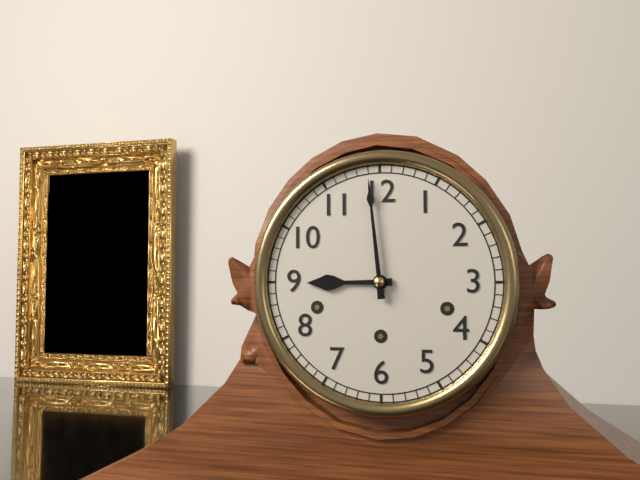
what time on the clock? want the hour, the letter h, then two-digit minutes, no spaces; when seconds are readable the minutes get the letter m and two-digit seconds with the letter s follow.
8h59
